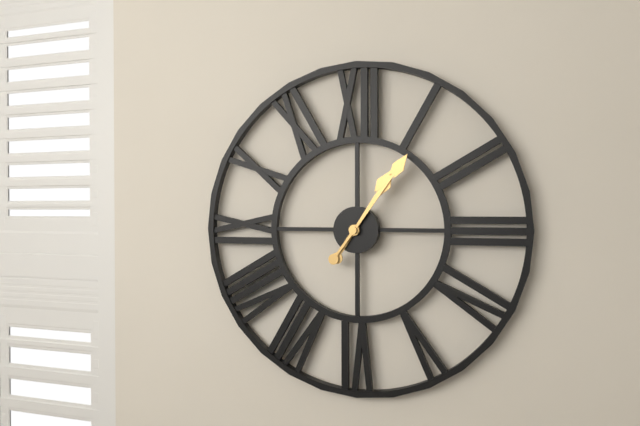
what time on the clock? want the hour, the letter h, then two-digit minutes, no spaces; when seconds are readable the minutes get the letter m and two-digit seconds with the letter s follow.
1h06
